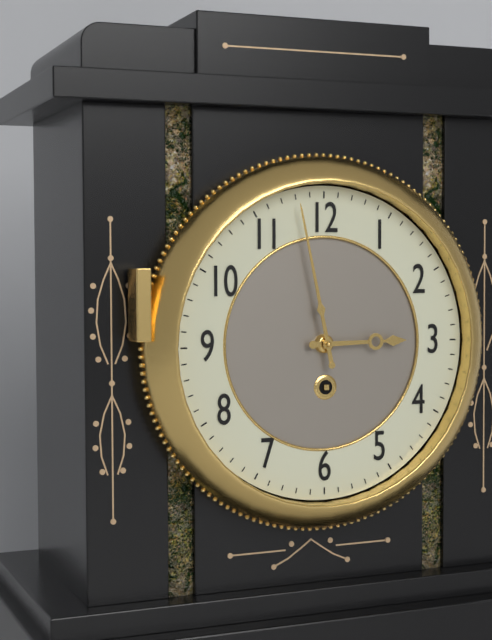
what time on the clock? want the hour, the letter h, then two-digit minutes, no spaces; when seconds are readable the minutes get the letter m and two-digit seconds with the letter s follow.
2h58
